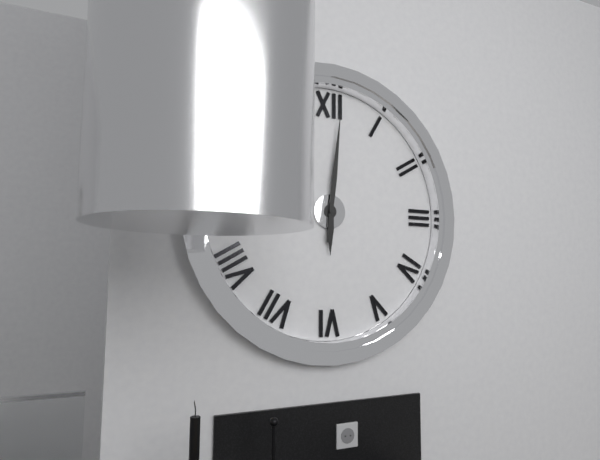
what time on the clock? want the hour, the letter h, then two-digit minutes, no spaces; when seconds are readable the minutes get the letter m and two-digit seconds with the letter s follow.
6h01
